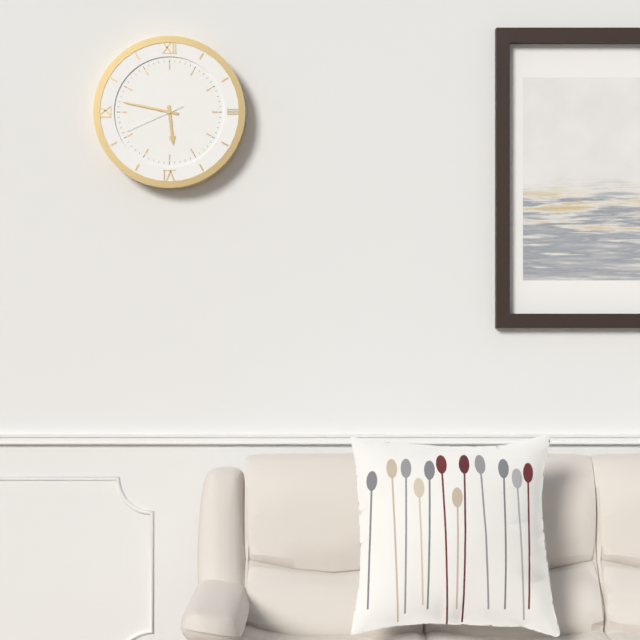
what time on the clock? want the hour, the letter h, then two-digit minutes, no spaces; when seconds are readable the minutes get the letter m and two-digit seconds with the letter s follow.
5h47m41s
